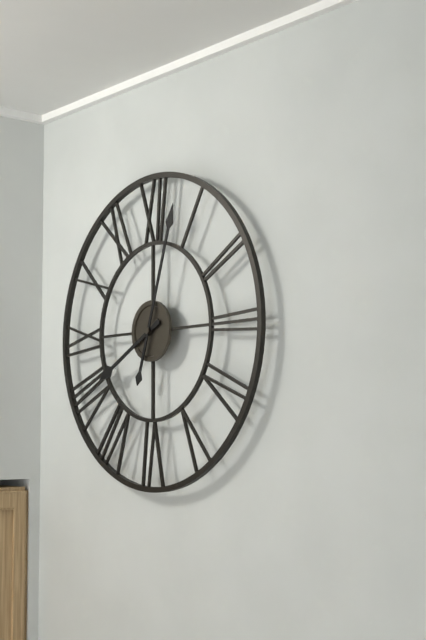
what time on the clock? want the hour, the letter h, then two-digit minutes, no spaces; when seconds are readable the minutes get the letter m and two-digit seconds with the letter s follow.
8h03
